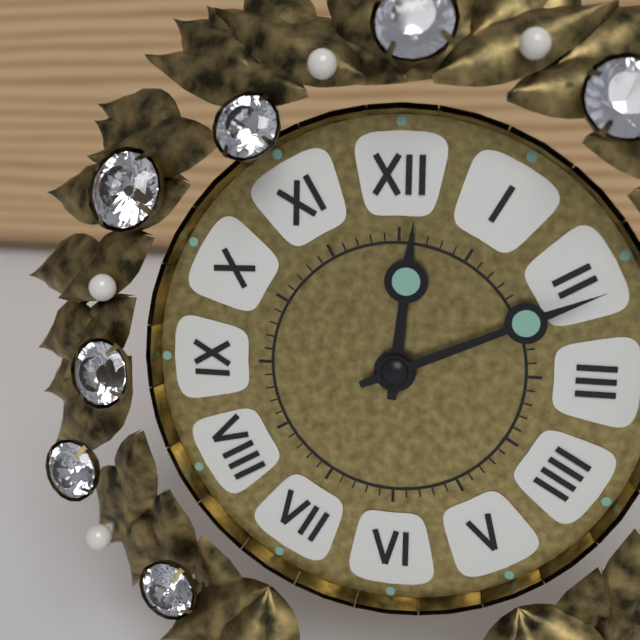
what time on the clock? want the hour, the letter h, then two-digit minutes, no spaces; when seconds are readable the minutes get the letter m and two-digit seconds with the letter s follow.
12h11
